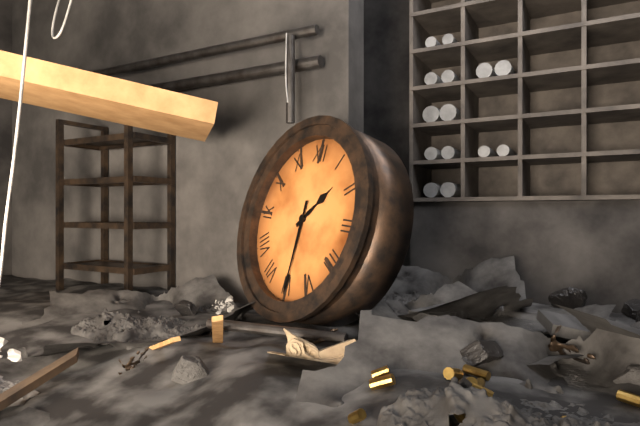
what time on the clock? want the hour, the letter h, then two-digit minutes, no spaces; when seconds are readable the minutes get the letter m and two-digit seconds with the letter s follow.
1h30
